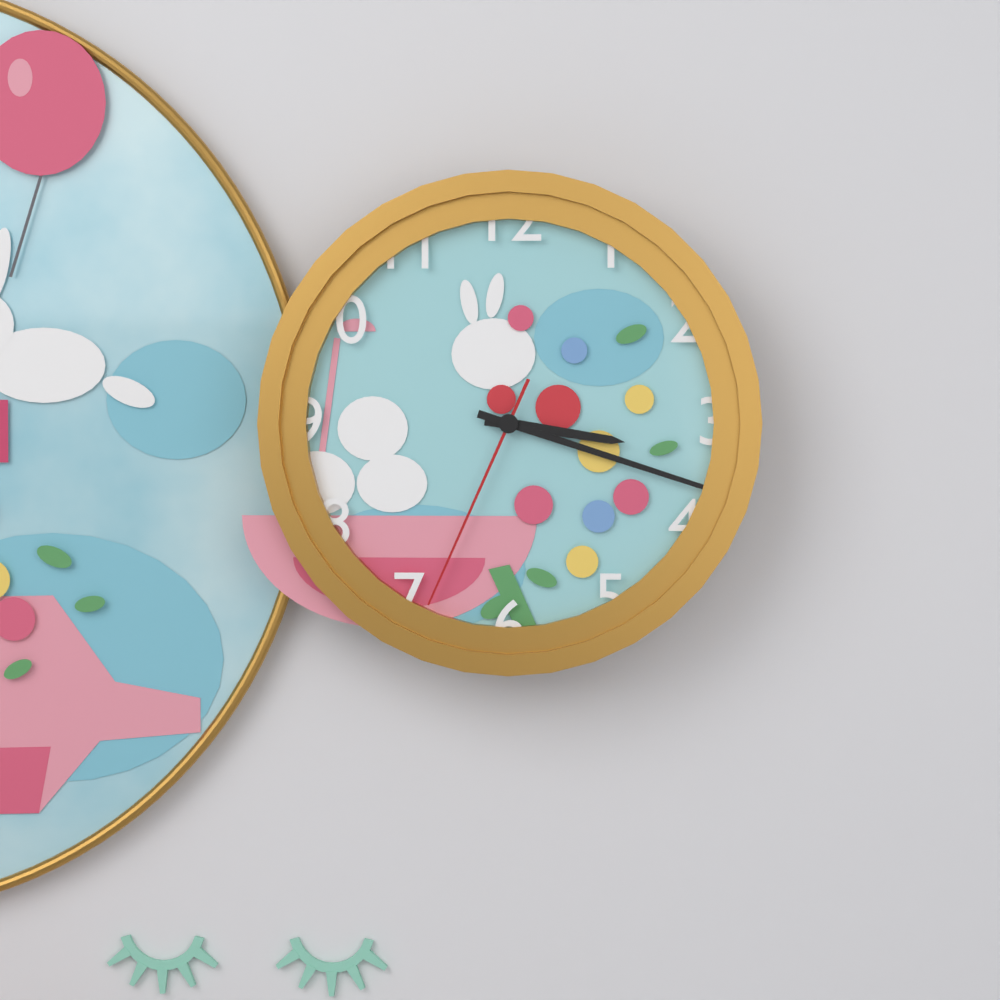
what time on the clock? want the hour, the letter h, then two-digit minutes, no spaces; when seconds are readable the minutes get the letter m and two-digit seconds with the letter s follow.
3h18m34s
